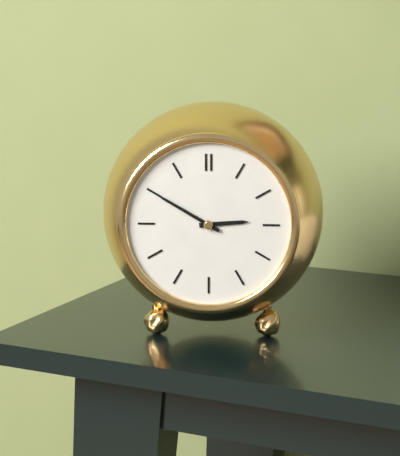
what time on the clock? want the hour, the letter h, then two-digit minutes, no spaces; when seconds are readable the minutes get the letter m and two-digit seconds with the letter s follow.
2h50
